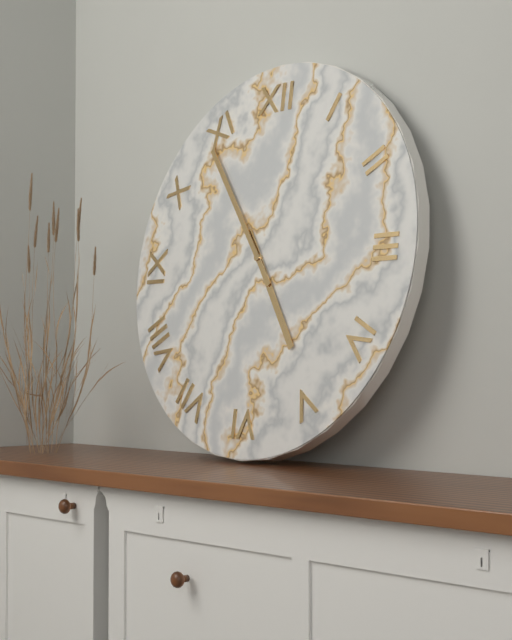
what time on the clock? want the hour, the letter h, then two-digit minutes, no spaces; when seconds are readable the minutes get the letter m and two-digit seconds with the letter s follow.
4h54
